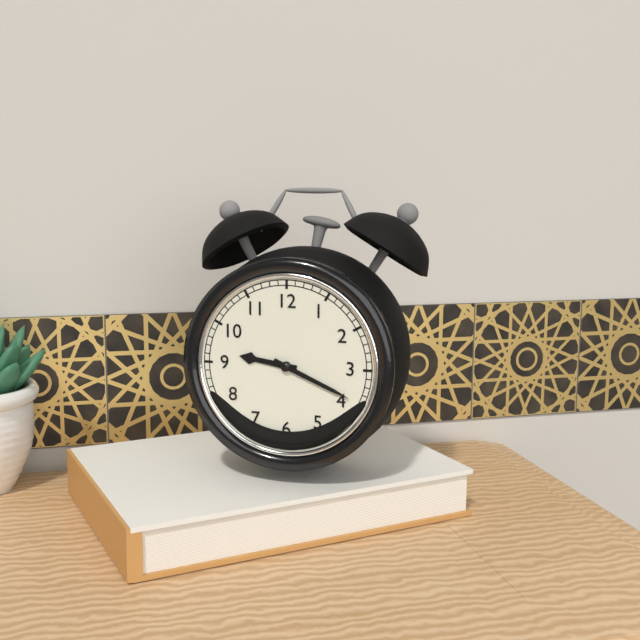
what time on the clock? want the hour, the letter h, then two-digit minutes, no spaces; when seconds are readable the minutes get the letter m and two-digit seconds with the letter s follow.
9h19
